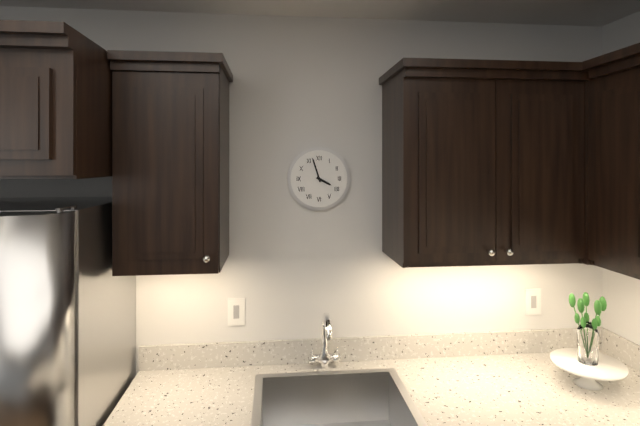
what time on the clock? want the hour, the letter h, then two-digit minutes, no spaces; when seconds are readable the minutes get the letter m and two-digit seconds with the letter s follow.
3h57
